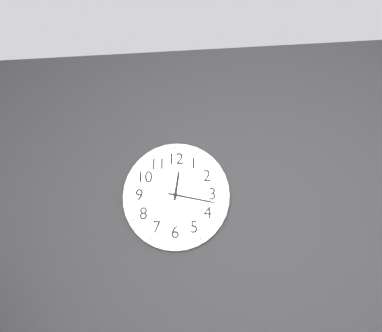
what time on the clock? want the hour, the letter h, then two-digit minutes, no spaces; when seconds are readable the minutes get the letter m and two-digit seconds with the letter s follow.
12h17
